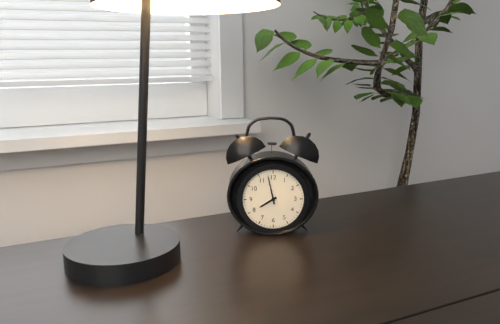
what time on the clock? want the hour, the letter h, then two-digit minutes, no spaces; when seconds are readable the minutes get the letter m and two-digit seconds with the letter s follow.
7h58
